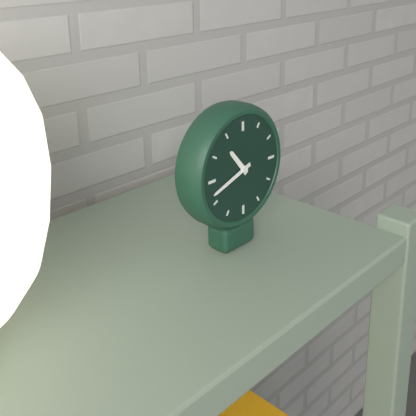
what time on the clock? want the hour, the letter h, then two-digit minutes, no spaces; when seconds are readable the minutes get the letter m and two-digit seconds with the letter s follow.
10h42
